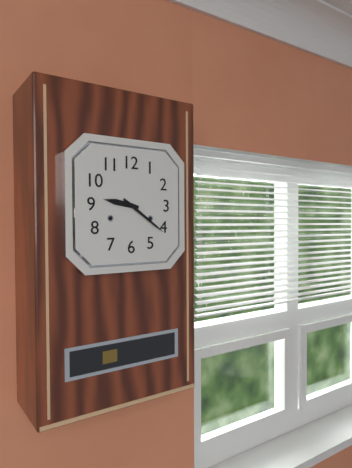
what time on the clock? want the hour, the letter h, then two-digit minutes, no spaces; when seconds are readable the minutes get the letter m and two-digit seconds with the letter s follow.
9h21
